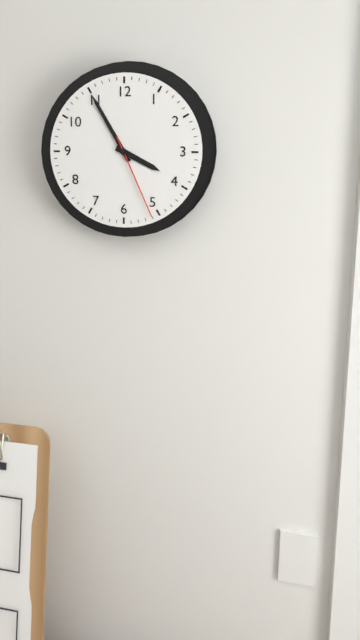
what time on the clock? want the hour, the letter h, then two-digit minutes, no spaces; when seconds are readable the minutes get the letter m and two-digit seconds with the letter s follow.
3h55m26s
